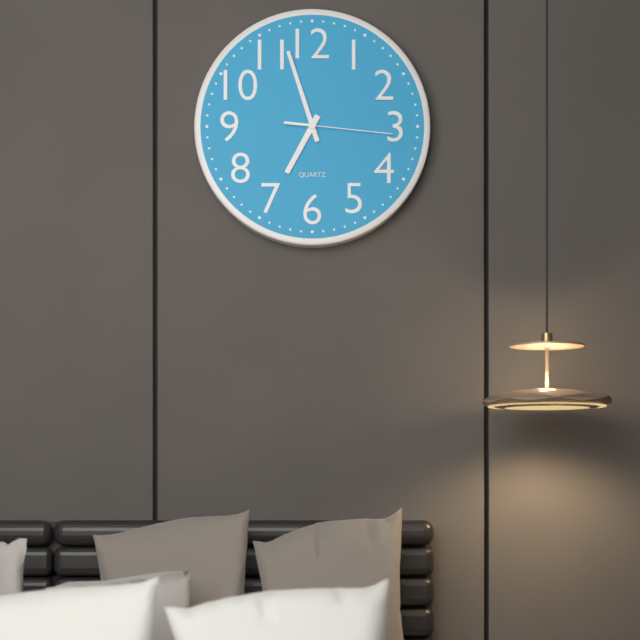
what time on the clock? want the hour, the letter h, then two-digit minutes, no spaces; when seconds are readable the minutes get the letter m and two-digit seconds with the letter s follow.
6h57m16s
